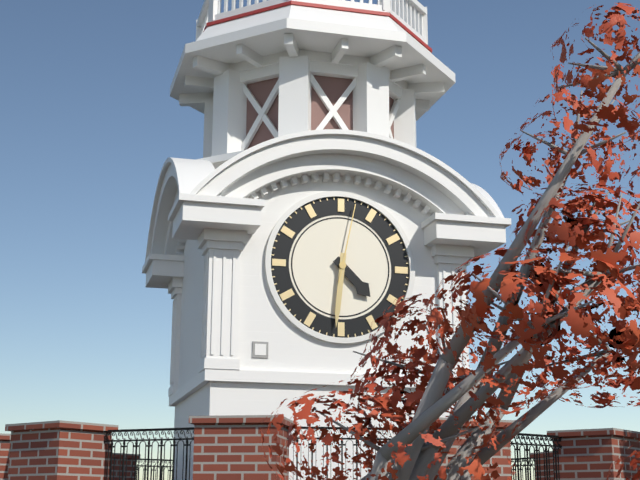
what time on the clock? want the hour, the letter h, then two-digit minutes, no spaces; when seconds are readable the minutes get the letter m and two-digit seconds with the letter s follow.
4h31m02s
